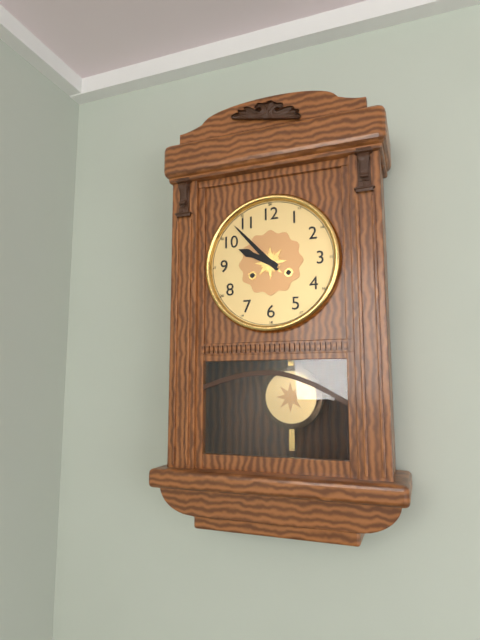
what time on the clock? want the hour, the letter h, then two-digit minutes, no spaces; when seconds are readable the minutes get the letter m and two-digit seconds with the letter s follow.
9h53
